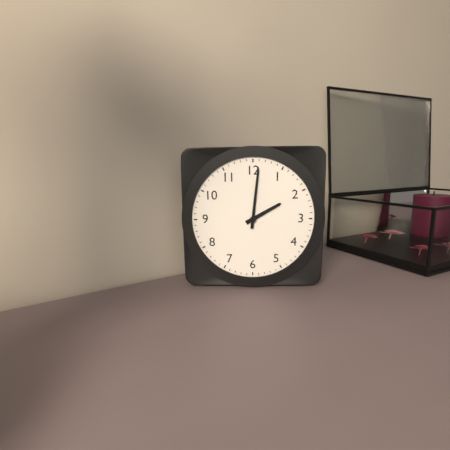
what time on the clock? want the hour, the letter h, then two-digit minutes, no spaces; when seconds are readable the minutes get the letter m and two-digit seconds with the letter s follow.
2h01
